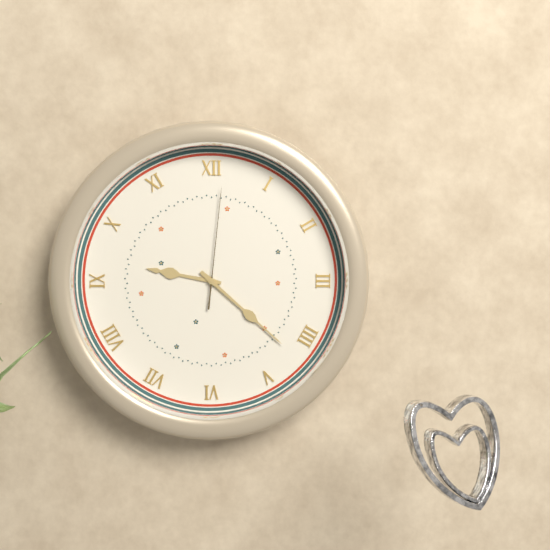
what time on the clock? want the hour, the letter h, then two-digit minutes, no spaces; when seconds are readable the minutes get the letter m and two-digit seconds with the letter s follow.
9h22m01s
